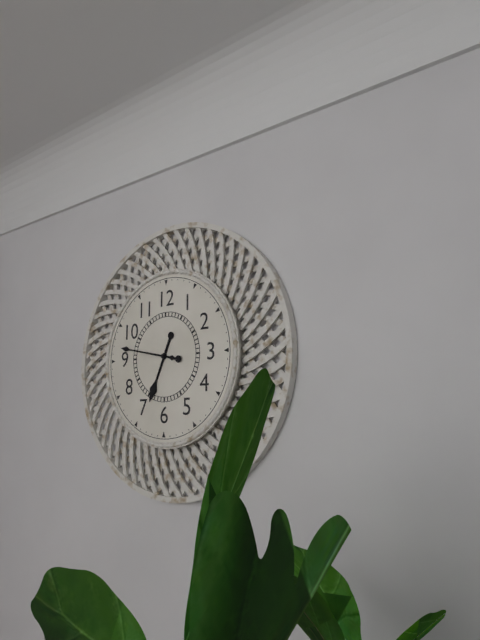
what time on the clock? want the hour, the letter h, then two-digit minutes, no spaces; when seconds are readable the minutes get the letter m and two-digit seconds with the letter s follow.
6h47
